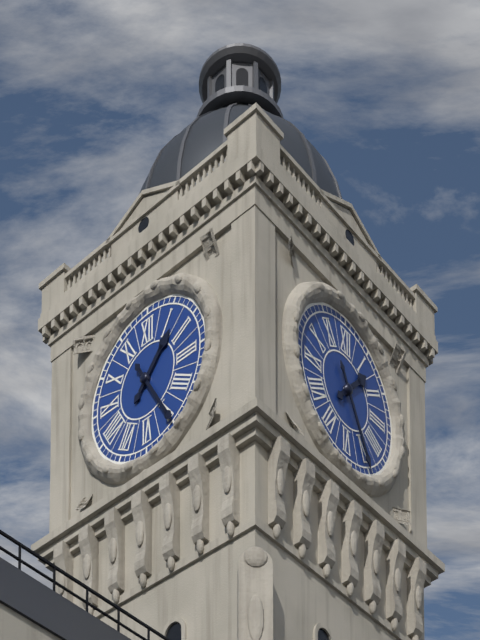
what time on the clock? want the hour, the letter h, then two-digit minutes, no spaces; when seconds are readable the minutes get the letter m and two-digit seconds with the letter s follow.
1h25
